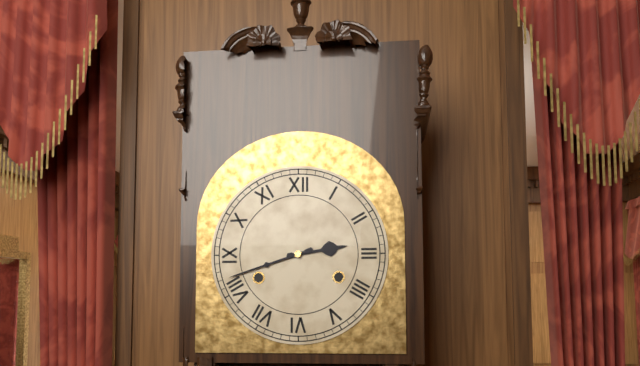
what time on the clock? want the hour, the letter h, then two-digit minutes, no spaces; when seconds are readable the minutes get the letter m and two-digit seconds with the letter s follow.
2h42
